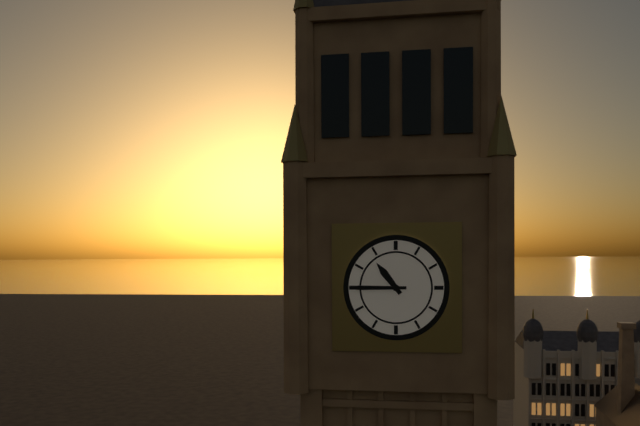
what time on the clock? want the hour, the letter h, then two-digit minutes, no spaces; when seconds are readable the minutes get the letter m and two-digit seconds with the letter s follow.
10h45
